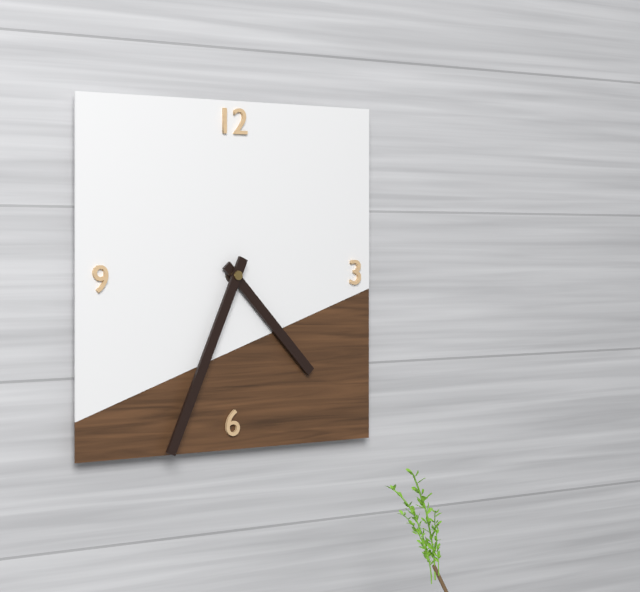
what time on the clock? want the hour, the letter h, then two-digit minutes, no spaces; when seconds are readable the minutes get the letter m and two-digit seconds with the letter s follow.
4h34
